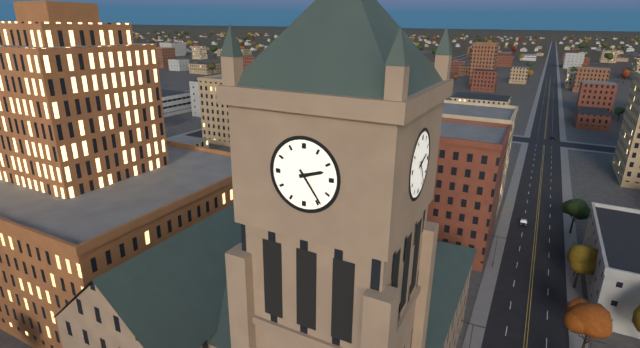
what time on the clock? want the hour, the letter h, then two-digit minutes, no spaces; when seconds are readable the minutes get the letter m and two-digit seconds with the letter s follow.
2h24
